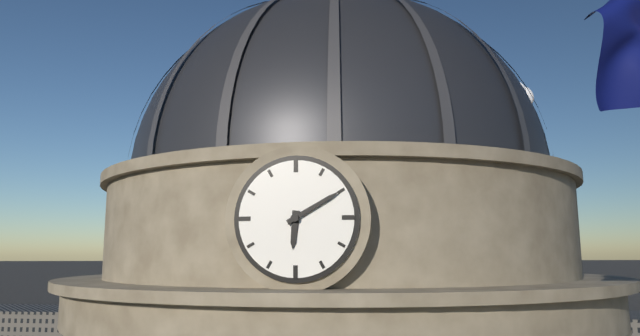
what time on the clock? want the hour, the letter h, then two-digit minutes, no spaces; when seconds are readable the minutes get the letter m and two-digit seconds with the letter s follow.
6h10
